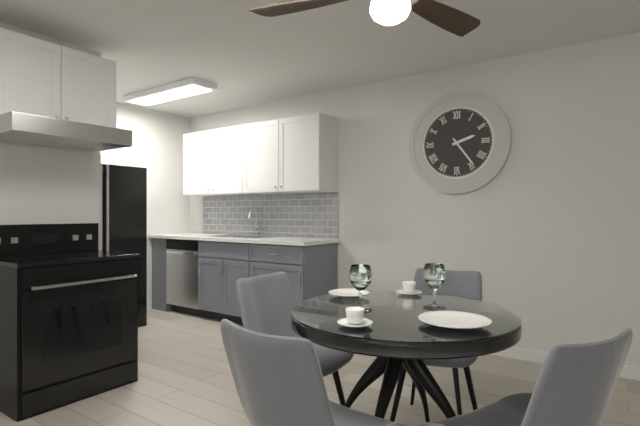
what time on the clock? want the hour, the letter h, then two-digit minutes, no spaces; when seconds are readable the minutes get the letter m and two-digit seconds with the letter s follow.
2h24
